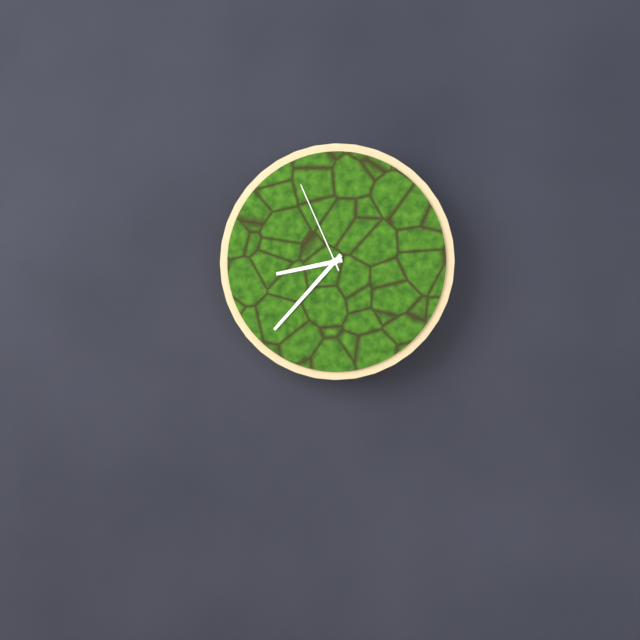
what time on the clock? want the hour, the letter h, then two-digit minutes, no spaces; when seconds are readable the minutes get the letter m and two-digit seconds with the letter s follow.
8h37m56s
